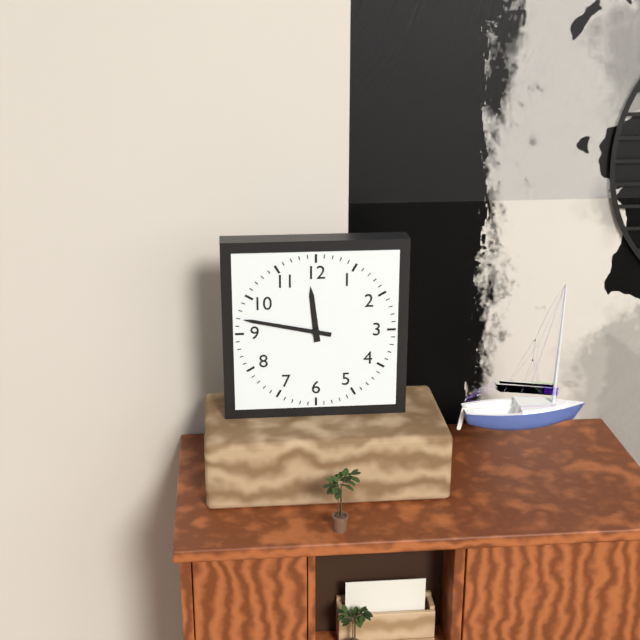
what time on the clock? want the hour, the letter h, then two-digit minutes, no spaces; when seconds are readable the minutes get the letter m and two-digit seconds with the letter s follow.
11h47
